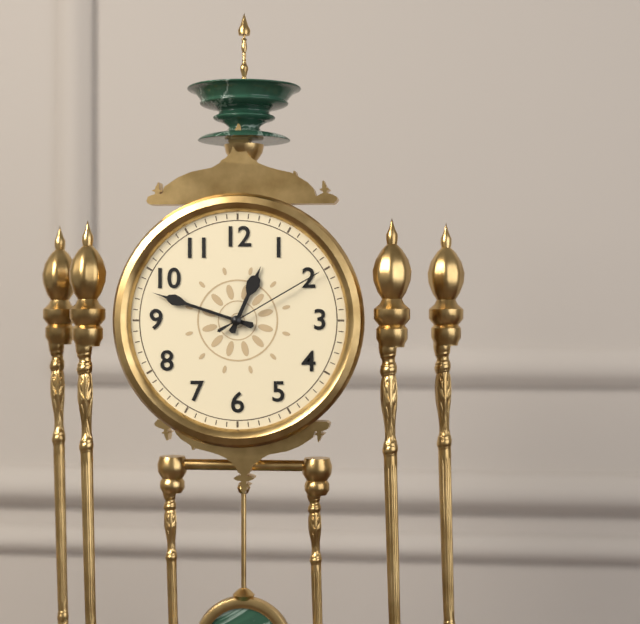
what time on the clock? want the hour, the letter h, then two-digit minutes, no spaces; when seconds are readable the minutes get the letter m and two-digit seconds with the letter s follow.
12h48m10s
